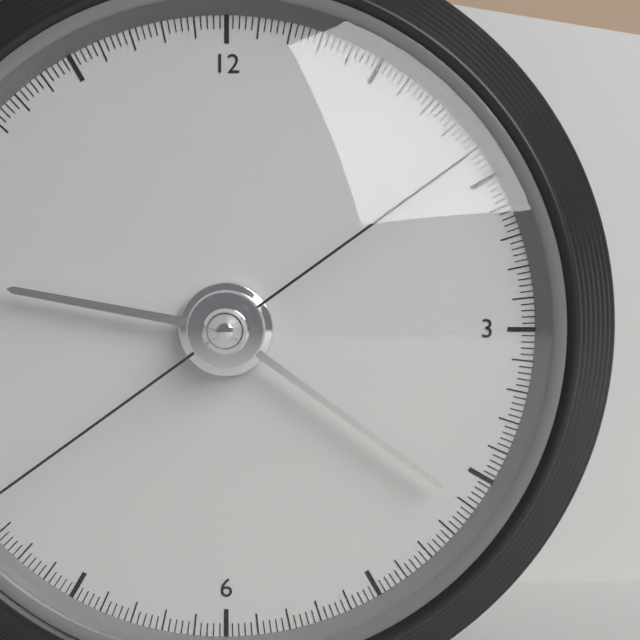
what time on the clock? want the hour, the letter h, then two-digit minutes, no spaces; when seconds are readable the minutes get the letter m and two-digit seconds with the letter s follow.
9h21m39s
